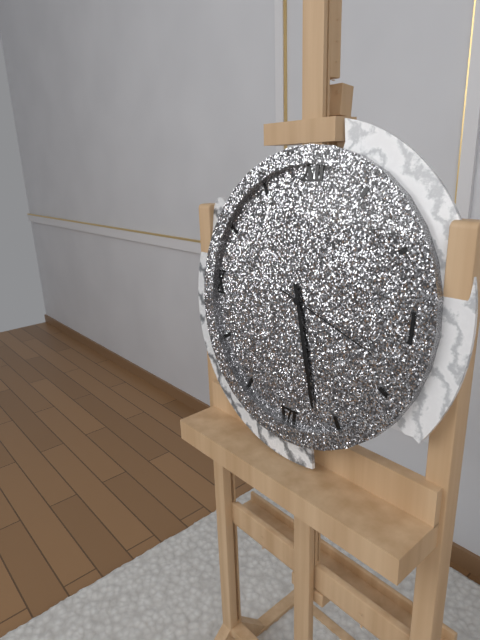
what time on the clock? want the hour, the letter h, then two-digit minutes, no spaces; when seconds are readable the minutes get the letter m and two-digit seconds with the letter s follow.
5h27m18s
